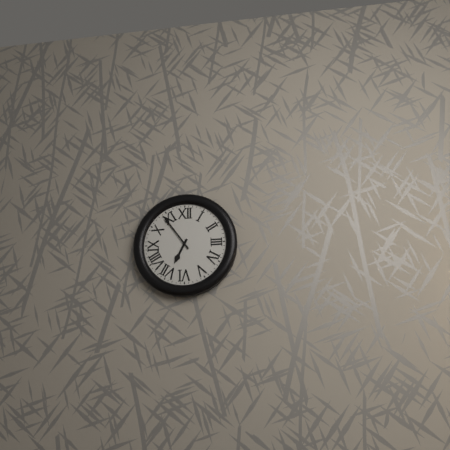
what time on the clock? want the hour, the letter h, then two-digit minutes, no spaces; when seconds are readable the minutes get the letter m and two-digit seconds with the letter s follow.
6h54
